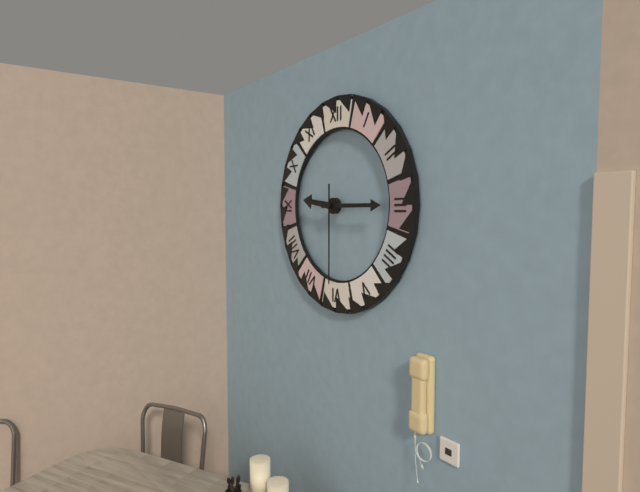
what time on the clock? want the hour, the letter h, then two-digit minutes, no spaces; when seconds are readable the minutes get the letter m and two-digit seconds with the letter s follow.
9h15m30s
